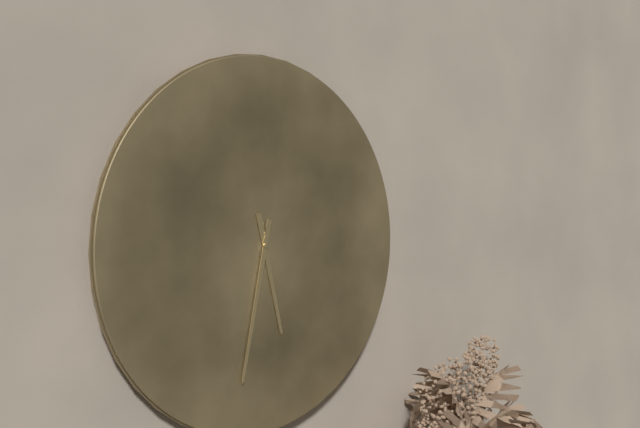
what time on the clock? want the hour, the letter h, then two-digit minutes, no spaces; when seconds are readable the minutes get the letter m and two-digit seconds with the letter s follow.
5h32
